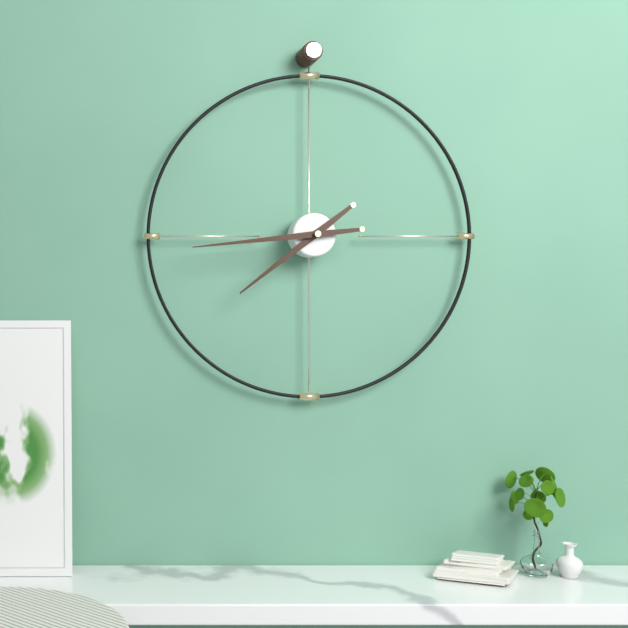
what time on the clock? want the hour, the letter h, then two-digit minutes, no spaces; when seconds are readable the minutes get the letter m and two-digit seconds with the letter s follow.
7h44
